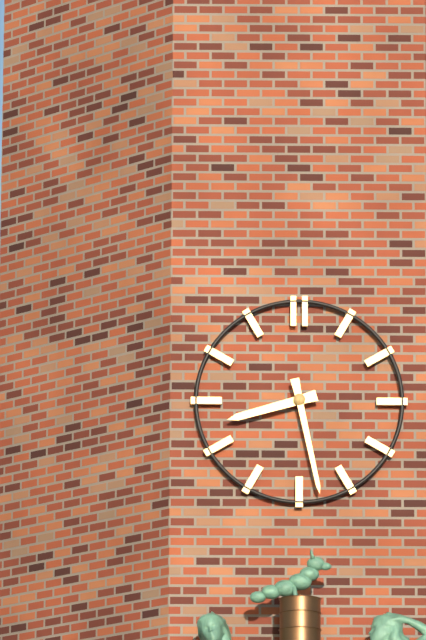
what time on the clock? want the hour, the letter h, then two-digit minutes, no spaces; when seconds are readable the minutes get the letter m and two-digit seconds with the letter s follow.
8h28
